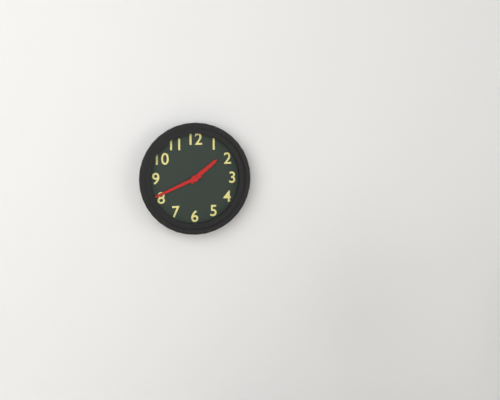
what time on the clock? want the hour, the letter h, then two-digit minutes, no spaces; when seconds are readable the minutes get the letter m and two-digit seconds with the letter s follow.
1h41
